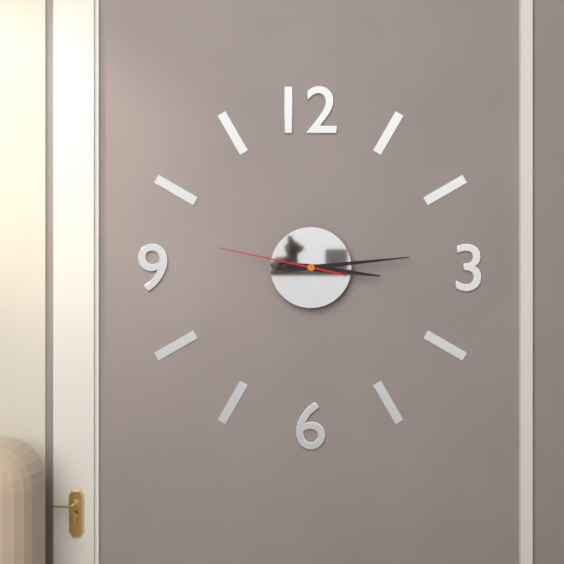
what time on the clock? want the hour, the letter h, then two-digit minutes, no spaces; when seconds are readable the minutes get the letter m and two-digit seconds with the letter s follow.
3h14m47s
